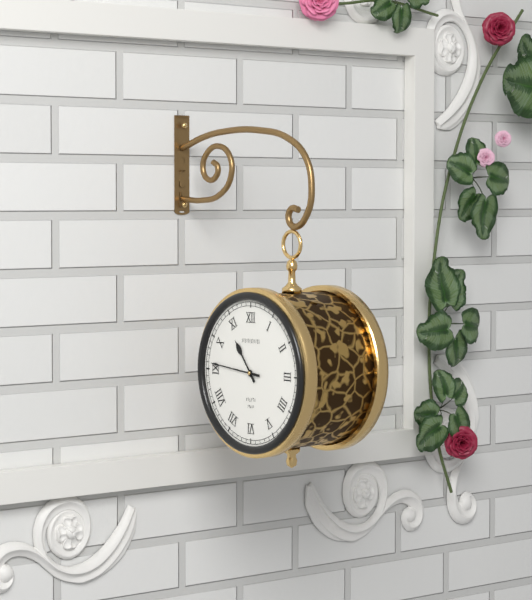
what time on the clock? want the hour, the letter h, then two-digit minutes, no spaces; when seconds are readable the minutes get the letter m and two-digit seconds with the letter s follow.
10h46
